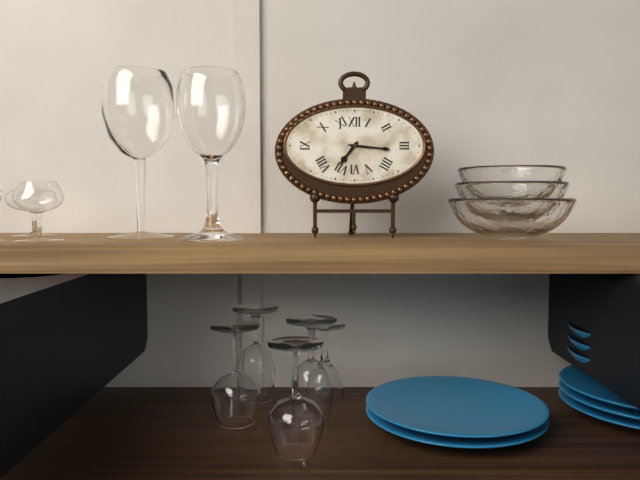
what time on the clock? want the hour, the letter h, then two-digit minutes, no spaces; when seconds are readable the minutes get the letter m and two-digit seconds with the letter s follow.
7h16
